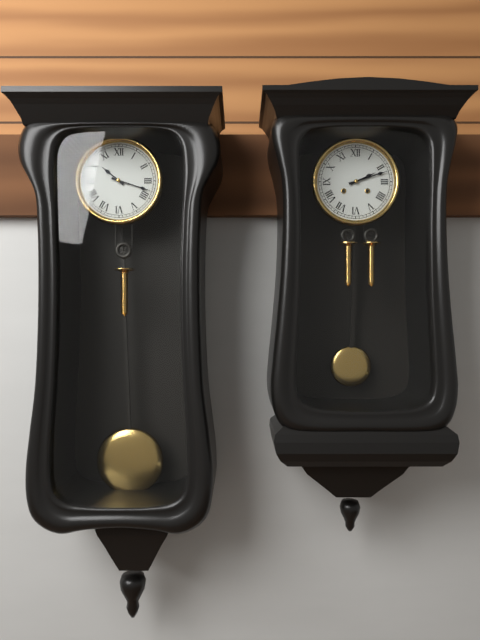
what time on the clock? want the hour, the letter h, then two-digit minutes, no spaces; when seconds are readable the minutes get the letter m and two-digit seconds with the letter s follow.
10h18
